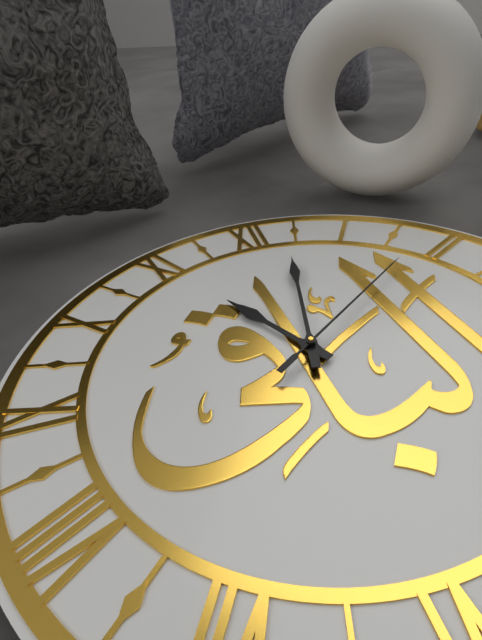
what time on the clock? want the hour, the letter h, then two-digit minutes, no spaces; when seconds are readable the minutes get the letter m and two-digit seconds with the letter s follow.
11h02m09s
